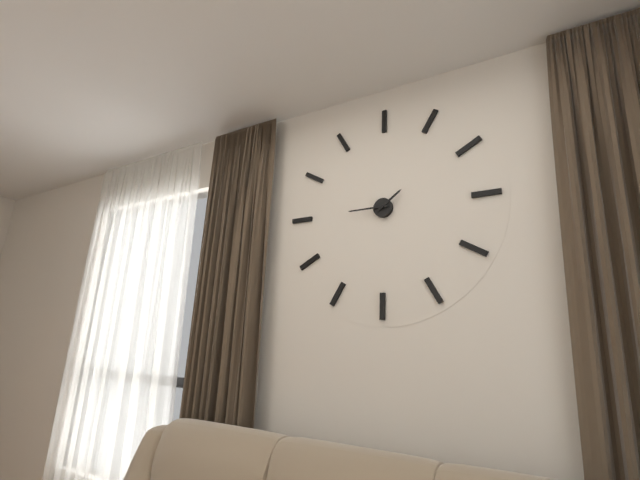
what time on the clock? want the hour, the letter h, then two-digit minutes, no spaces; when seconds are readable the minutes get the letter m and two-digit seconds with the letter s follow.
1h45
